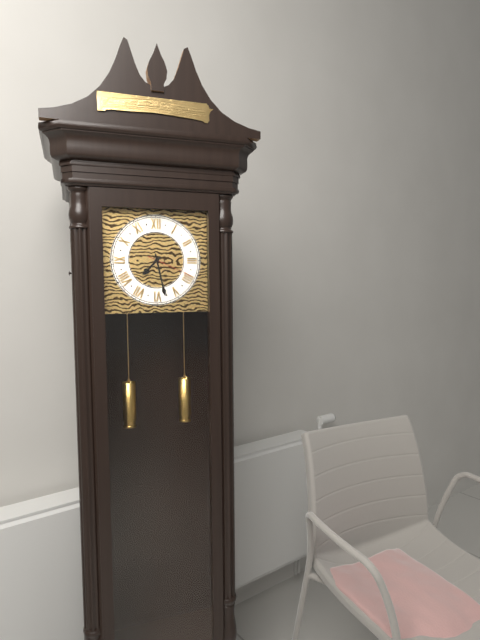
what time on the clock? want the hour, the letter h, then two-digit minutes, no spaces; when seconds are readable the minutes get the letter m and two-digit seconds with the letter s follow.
7h28
